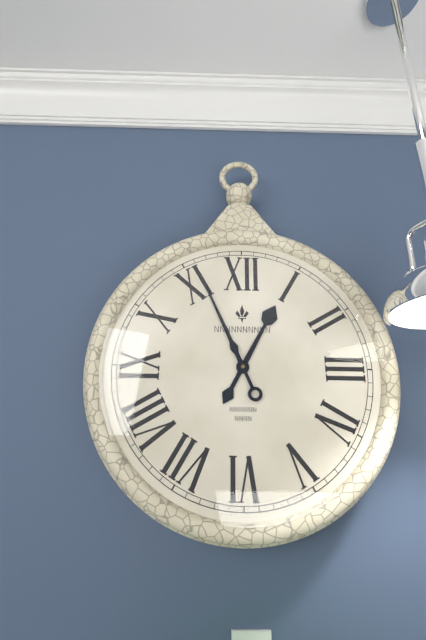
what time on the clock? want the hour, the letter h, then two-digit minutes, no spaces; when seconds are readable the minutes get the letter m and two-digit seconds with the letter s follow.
12h56
